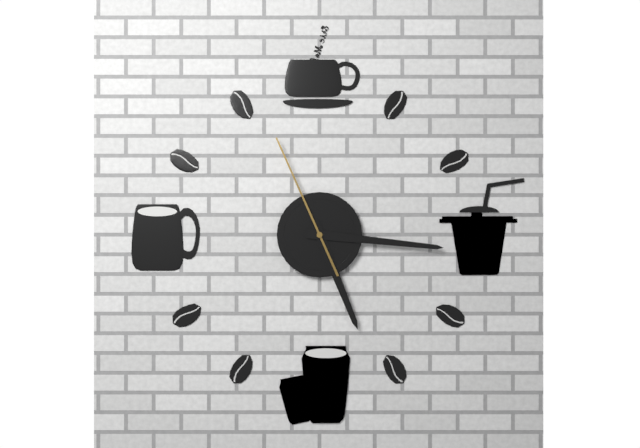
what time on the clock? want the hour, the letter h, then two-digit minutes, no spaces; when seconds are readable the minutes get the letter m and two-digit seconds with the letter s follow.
5h16m56s
